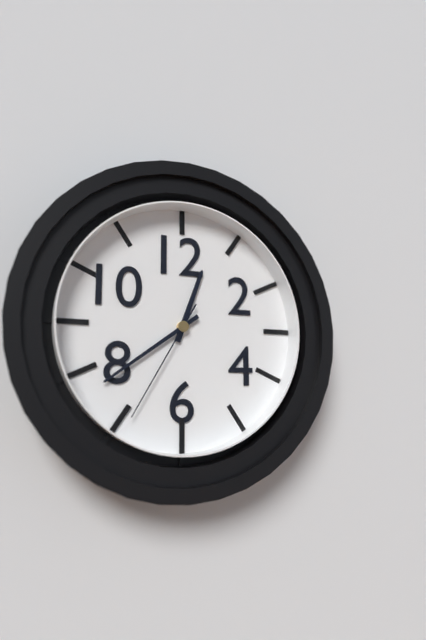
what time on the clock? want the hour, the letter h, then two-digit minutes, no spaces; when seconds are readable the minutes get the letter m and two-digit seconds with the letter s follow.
12h39m35s
